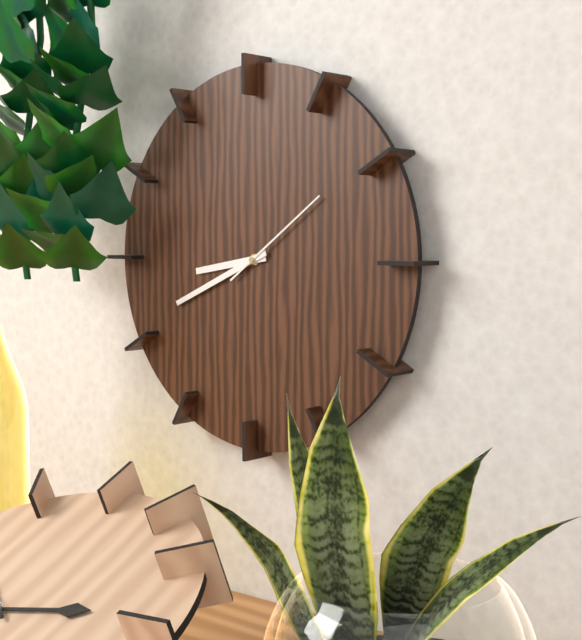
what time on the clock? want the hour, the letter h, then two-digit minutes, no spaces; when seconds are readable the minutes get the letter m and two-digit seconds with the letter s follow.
8h41m09s
